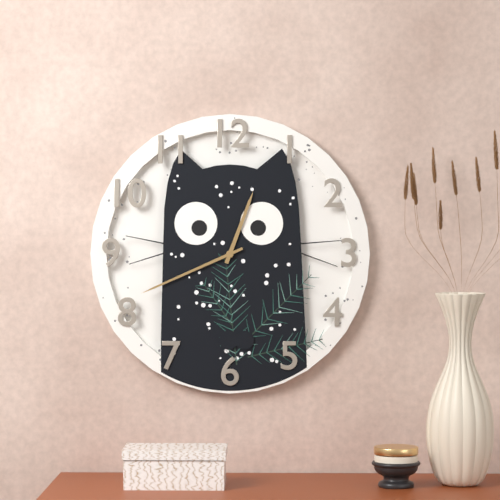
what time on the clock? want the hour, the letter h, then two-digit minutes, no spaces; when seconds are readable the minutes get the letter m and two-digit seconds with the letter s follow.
12h41
